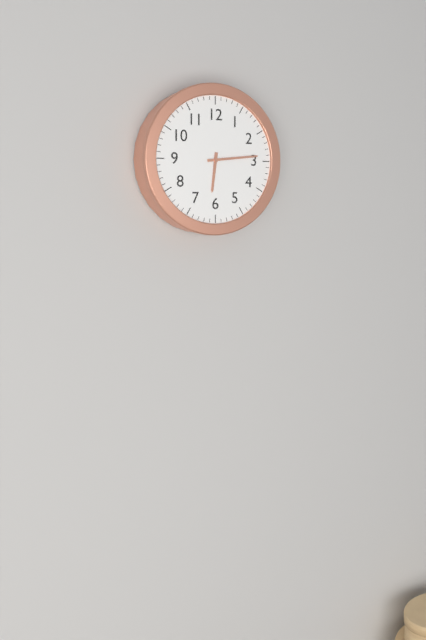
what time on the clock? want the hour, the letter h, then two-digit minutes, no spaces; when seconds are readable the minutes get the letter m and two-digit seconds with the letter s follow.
6h14
